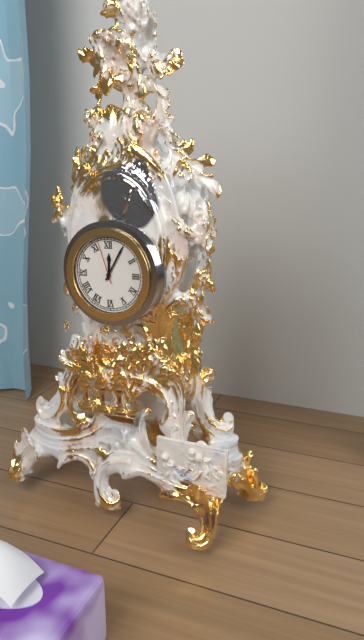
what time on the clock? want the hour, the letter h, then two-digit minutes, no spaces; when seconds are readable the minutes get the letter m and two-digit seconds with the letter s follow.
12h05
